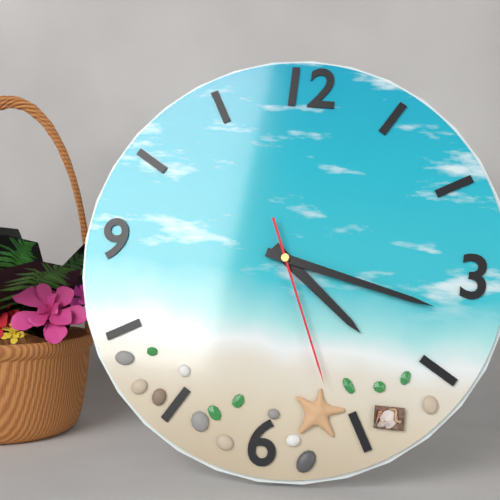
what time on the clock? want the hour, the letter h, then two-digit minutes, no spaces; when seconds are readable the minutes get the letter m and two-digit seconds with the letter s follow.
4h17m26s
